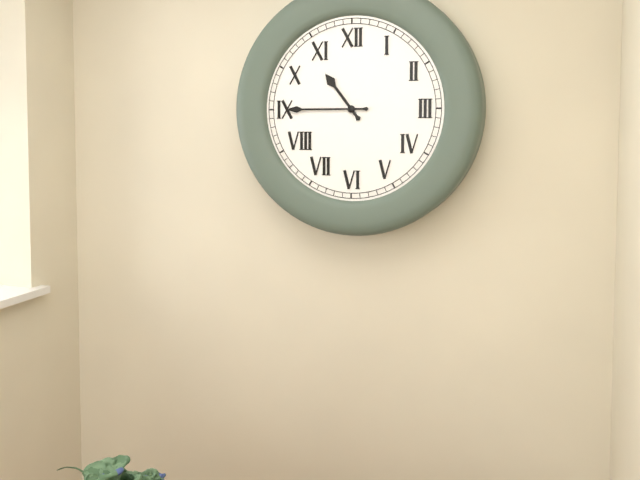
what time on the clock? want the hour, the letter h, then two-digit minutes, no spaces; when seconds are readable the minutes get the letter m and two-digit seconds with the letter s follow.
10h45
